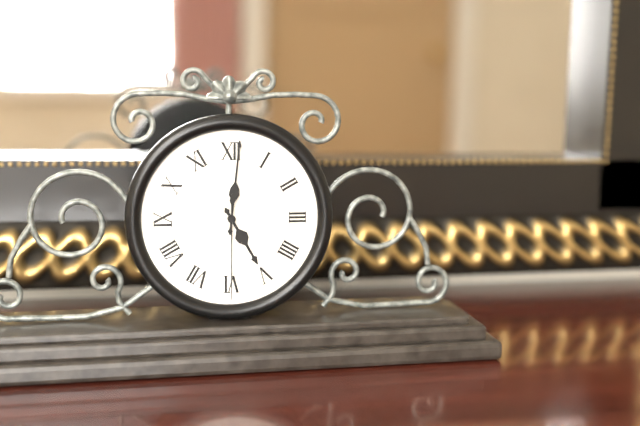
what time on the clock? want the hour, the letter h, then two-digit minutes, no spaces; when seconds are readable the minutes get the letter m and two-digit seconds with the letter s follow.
5h01m30s
